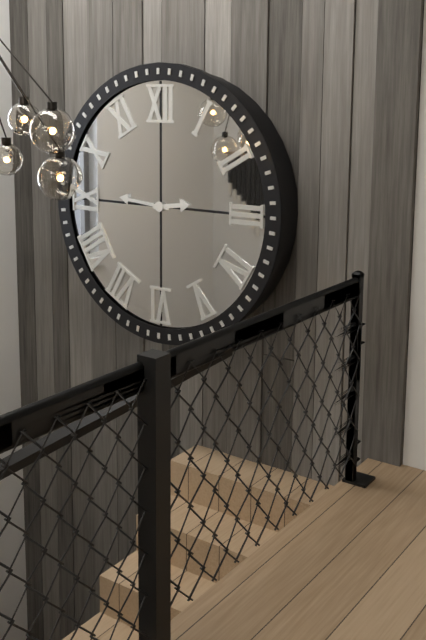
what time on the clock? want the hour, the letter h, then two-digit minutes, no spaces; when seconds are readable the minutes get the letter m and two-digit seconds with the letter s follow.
2h46
